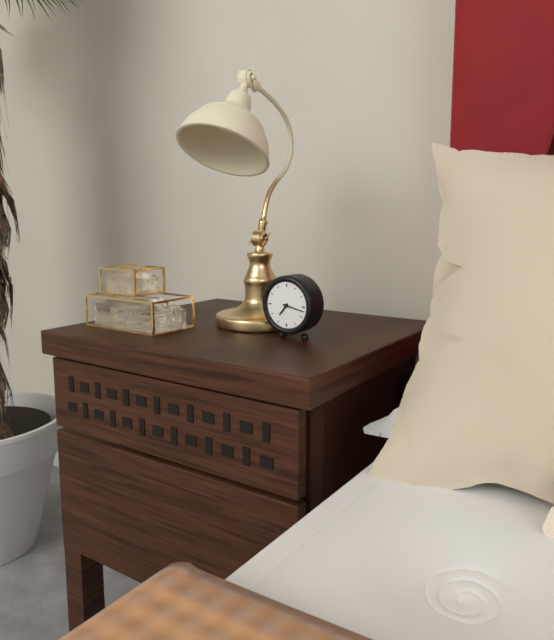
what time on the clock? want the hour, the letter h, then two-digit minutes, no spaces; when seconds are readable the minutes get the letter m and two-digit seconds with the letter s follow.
7h17
